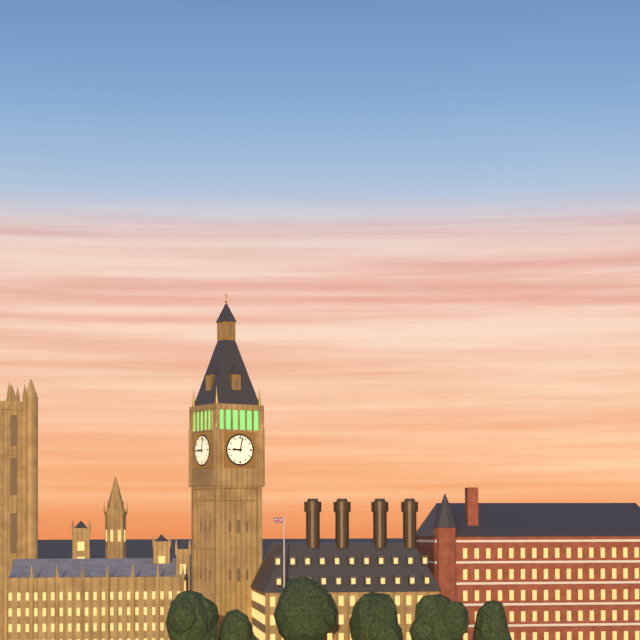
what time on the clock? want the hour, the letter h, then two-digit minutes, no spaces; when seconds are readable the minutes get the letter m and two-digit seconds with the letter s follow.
9h02
